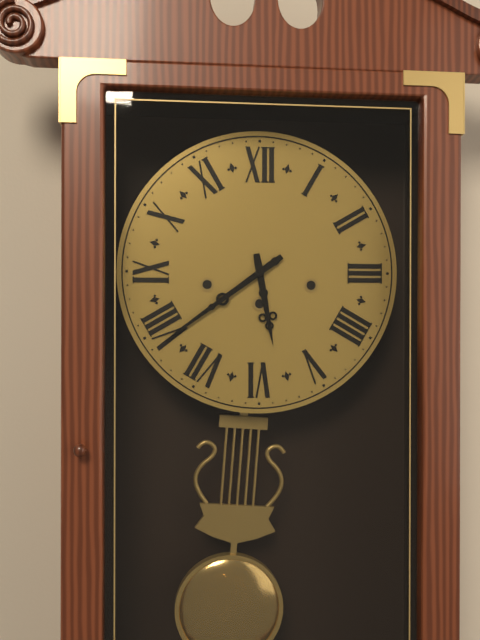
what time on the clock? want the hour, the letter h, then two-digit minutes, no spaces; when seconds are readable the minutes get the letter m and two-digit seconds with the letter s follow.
5h39
